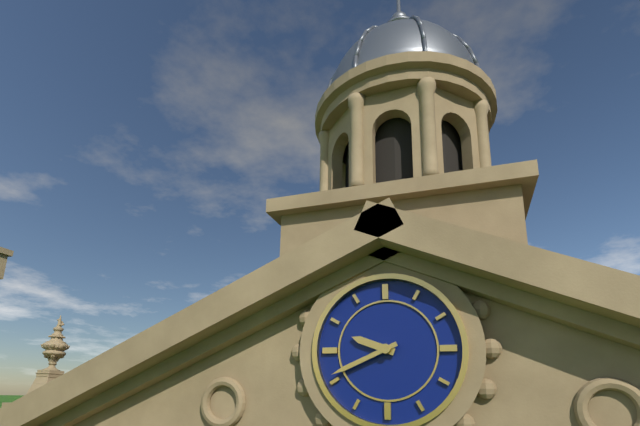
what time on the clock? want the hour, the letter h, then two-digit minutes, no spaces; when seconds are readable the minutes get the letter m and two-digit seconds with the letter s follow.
9h41
